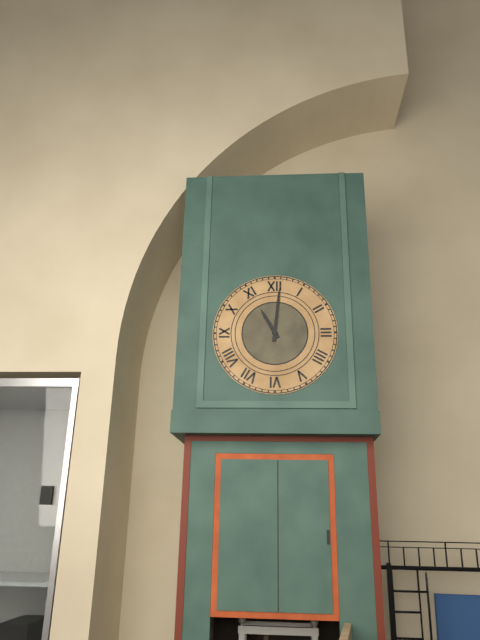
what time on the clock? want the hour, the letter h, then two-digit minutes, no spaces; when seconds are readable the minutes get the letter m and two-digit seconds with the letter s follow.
11h01
